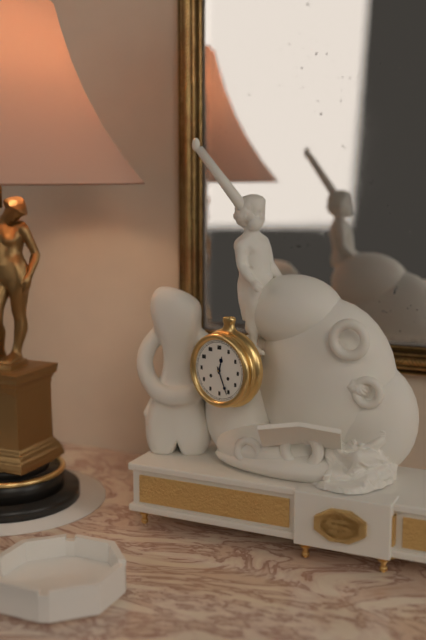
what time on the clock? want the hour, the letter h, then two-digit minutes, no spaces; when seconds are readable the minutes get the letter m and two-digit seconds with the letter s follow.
12h26
